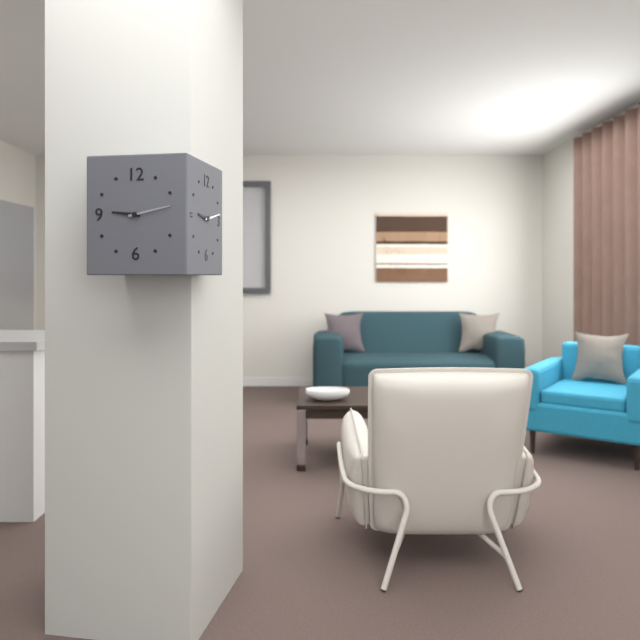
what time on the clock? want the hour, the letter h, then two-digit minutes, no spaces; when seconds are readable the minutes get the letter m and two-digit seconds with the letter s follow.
9h13
